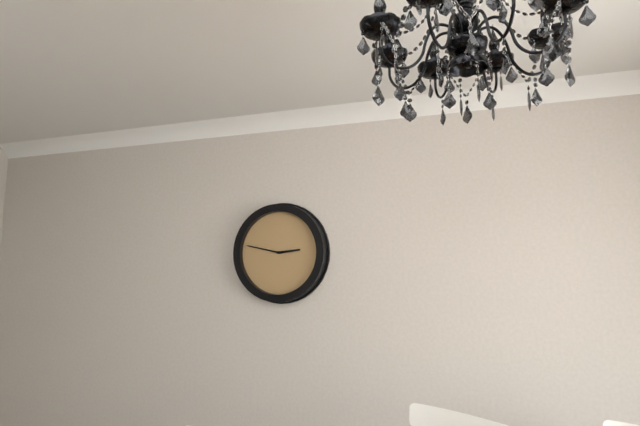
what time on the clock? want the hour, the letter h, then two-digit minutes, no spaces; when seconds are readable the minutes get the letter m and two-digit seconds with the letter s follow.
2h47
